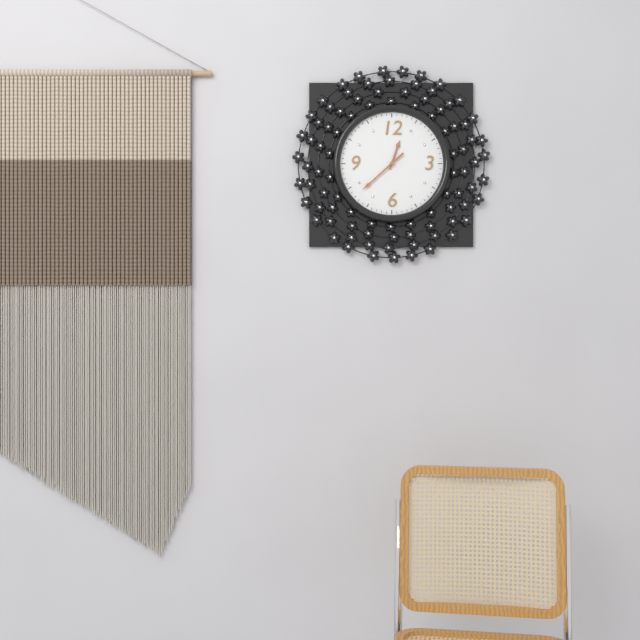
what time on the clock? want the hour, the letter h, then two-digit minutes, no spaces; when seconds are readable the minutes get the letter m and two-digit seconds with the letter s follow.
12h38
